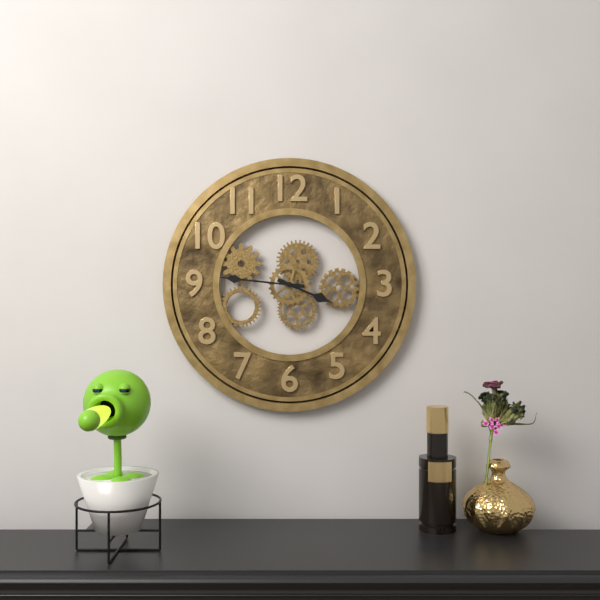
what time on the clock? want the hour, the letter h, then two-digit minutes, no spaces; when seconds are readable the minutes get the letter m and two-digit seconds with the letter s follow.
3h46
